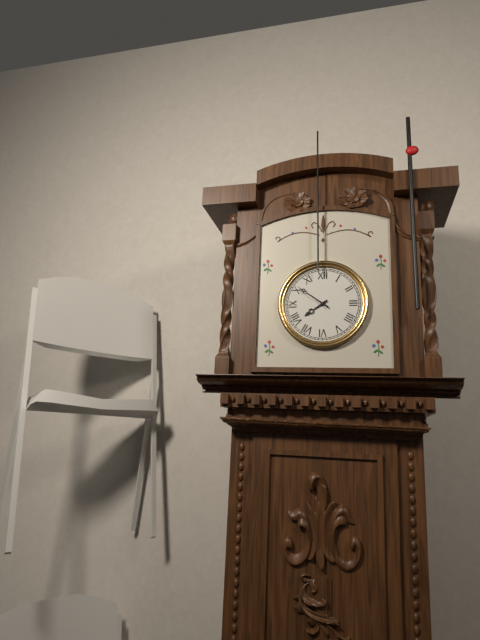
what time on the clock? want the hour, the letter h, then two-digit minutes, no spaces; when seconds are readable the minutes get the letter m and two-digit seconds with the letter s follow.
7h51
